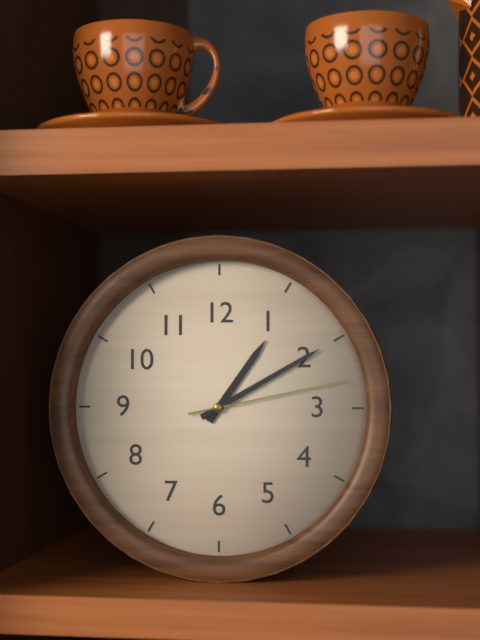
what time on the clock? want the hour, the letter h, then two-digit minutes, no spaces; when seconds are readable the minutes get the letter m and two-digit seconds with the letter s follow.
1h10m13s
